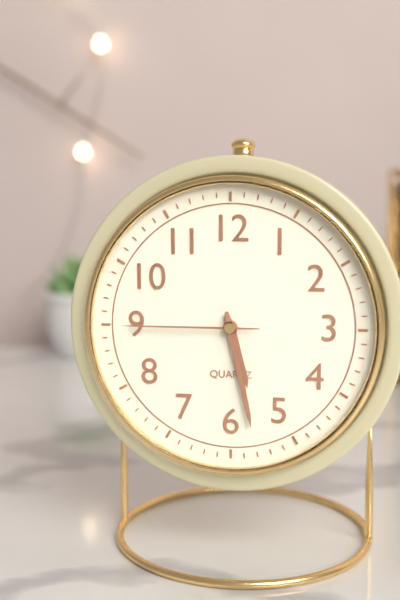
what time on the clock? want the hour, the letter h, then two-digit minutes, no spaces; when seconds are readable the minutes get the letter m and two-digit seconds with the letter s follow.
5h28m45s
